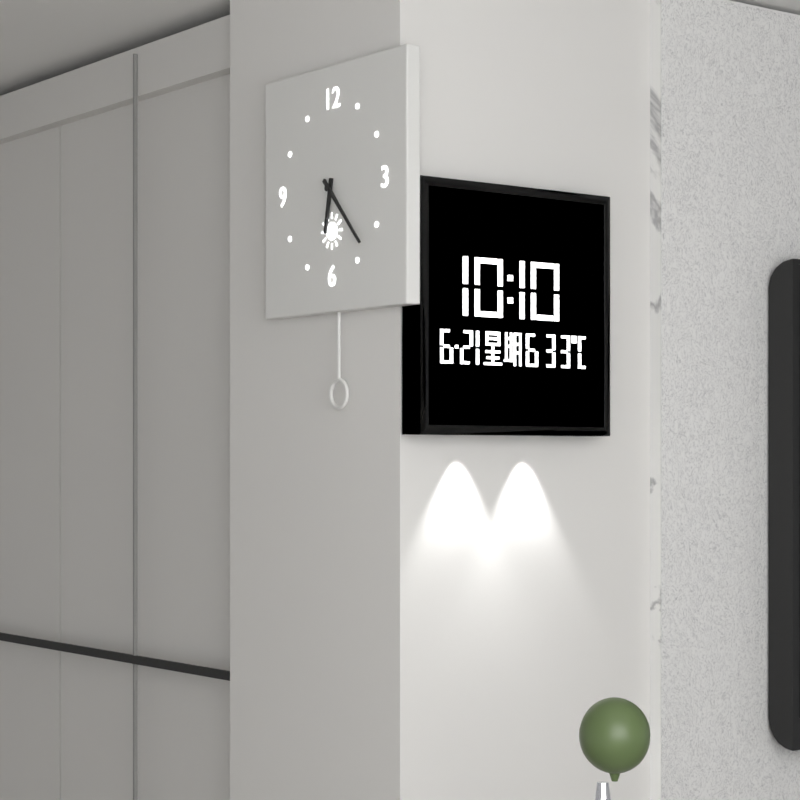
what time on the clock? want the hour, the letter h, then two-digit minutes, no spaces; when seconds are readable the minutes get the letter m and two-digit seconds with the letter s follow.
6h23
